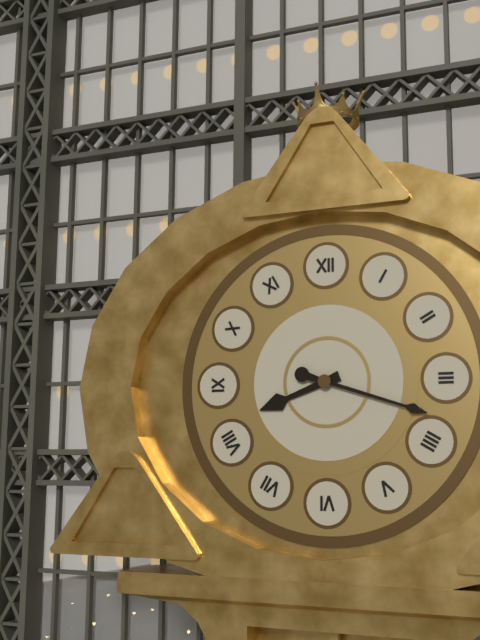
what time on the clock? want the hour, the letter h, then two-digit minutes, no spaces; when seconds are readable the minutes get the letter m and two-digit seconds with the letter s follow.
8h18
